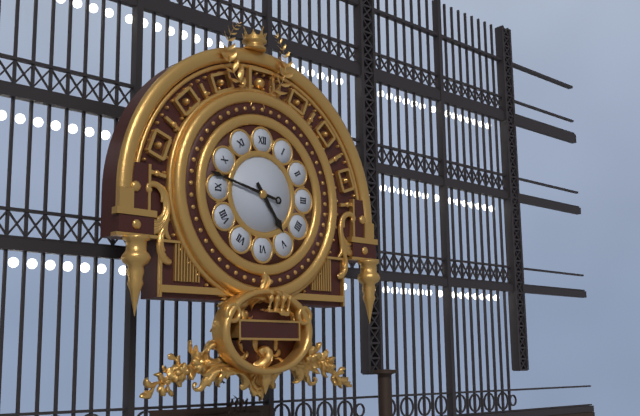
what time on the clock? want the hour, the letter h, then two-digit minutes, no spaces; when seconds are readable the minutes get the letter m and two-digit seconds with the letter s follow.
4h47
